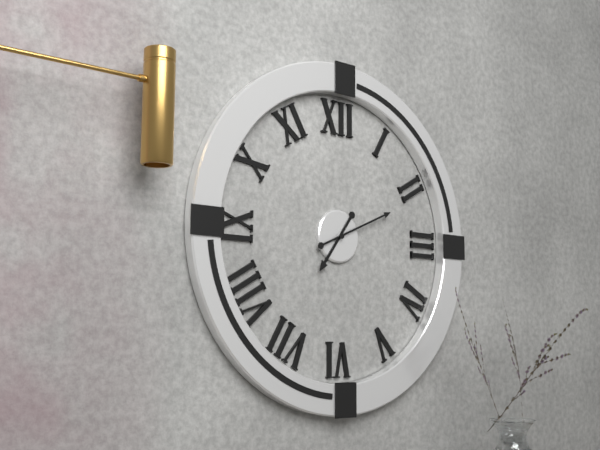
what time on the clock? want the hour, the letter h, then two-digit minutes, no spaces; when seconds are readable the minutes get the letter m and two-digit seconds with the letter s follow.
7h11
